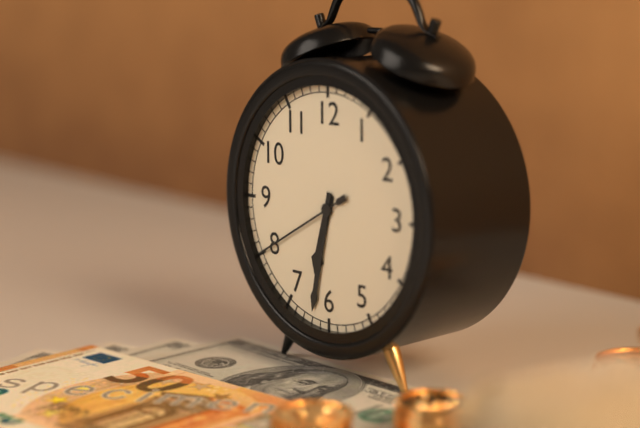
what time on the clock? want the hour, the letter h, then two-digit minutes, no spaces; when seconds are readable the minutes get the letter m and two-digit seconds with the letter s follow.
6h32m40s
